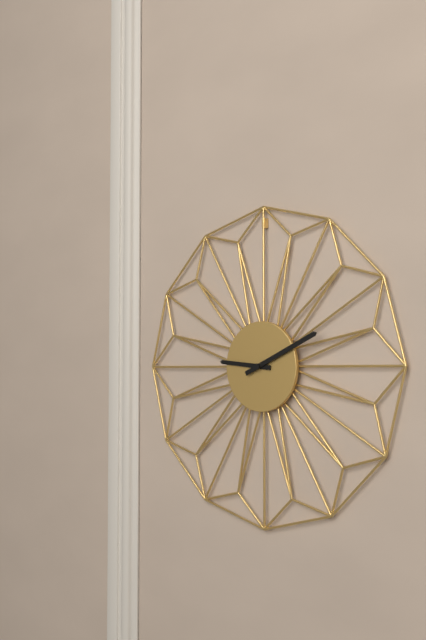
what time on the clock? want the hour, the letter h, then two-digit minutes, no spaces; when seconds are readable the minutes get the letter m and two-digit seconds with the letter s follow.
9h11
